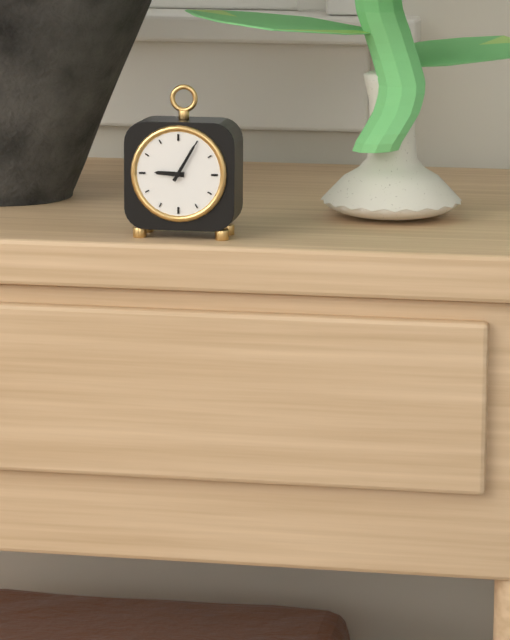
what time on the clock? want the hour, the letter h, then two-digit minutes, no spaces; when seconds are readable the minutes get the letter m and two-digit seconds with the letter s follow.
9h05
